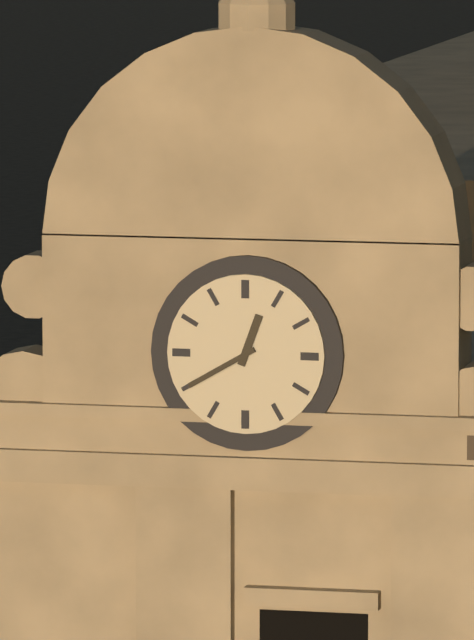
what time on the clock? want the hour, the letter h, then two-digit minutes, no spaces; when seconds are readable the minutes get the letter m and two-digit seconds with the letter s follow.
12h40
